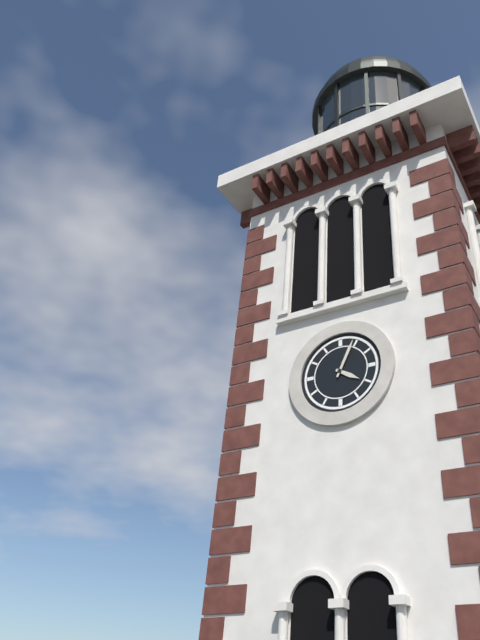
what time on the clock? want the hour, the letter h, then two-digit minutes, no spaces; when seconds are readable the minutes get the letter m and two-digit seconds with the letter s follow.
4h04
